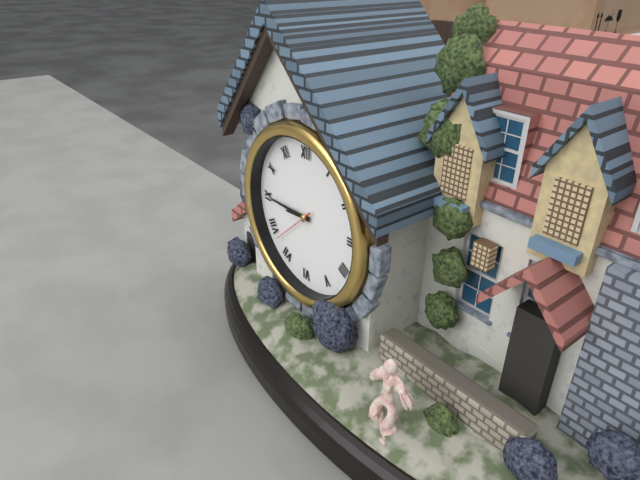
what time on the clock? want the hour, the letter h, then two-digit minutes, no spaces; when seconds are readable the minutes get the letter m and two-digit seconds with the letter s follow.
8h45
